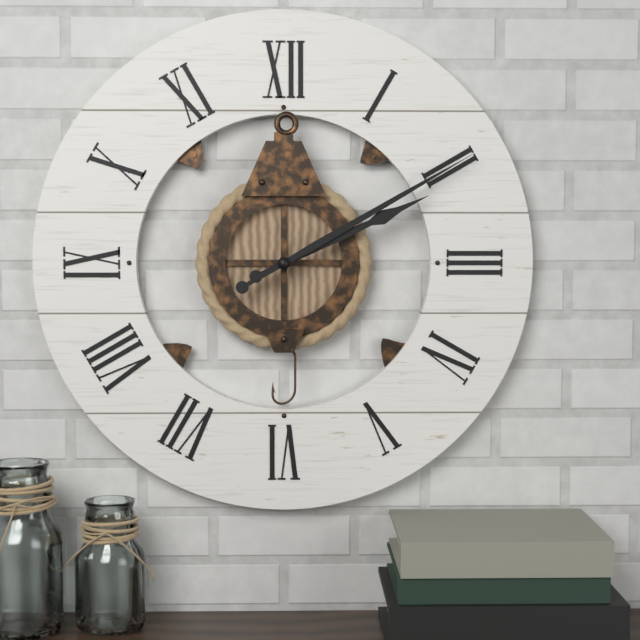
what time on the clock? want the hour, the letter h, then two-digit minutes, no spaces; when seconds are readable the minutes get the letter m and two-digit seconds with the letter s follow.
2h10
